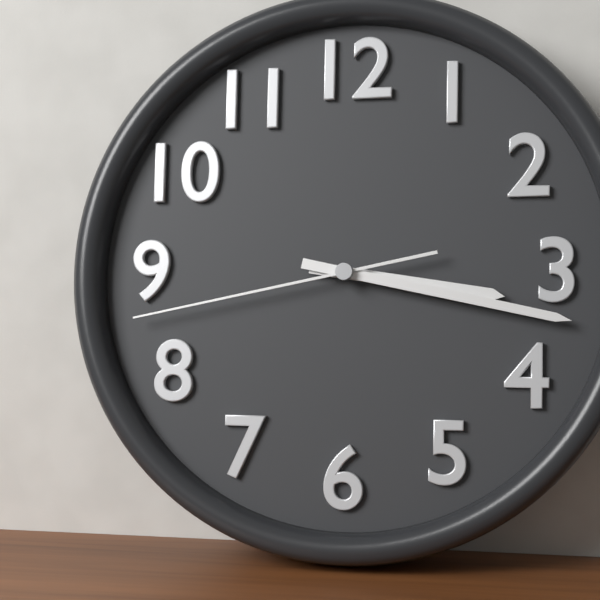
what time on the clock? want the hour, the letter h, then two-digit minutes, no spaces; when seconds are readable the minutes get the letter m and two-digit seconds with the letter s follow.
3h17m43s
